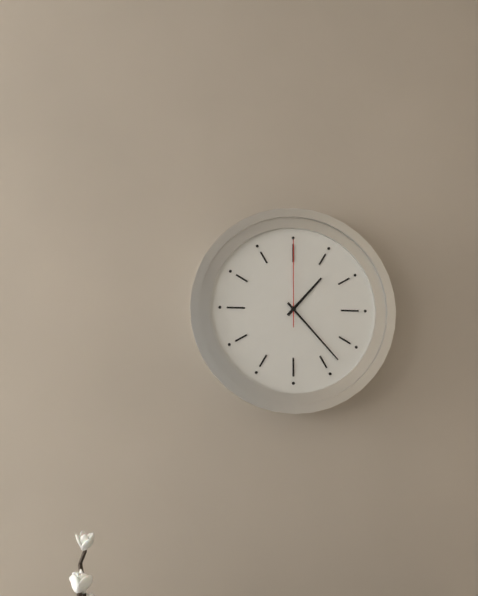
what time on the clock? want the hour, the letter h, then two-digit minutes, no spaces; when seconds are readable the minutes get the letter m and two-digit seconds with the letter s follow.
1h23m00s
